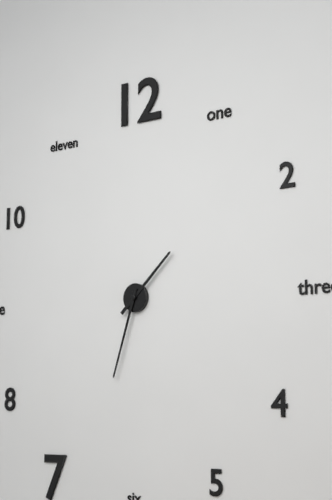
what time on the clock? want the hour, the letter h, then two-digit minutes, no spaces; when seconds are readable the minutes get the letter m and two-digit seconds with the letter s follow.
1h33
